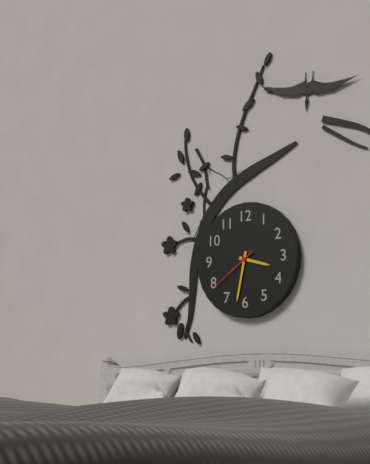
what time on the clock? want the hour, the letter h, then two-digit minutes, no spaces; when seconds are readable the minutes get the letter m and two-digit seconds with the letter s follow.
3h32m39s
